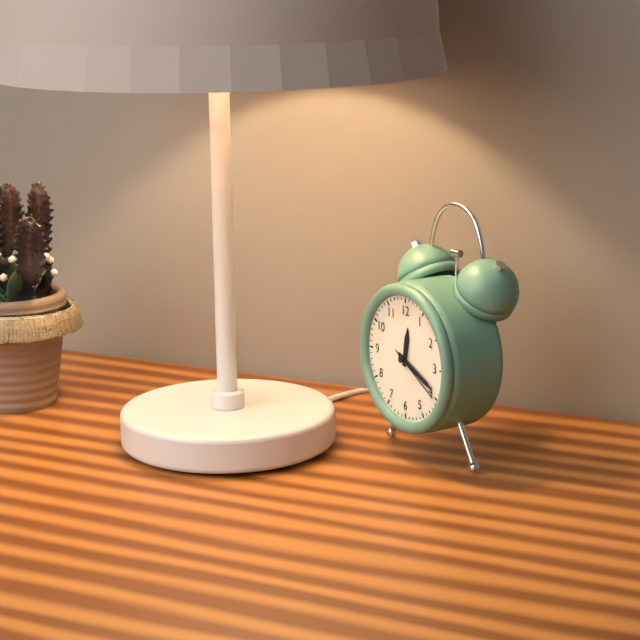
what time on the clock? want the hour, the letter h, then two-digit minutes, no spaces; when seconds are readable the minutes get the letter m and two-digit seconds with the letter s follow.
12h19m20s
